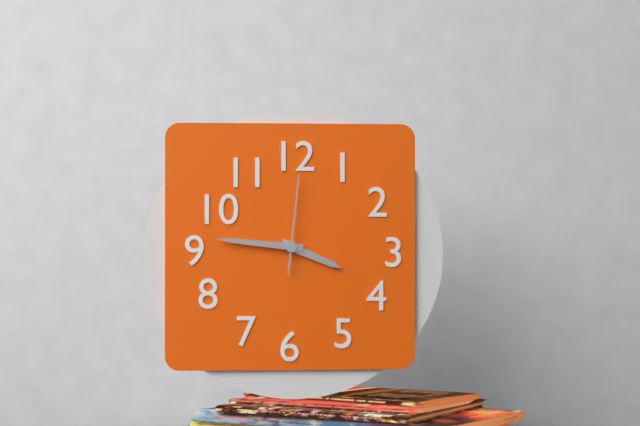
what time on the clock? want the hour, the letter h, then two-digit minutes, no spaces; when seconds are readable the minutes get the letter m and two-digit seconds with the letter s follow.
3h46m01s
